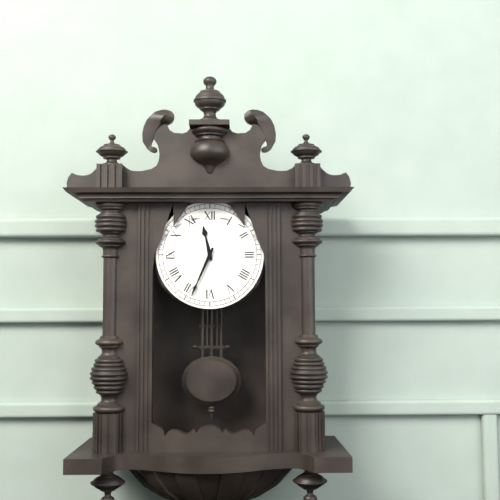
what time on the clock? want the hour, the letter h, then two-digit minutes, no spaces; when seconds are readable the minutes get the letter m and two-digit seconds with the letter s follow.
11h34
